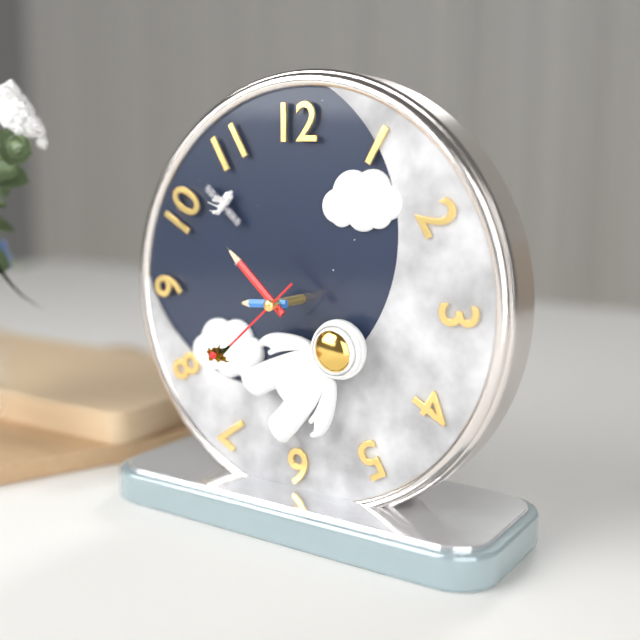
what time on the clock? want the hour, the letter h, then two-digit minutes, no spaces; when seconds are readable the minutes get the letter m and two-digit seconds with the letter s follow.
8h52m38s
